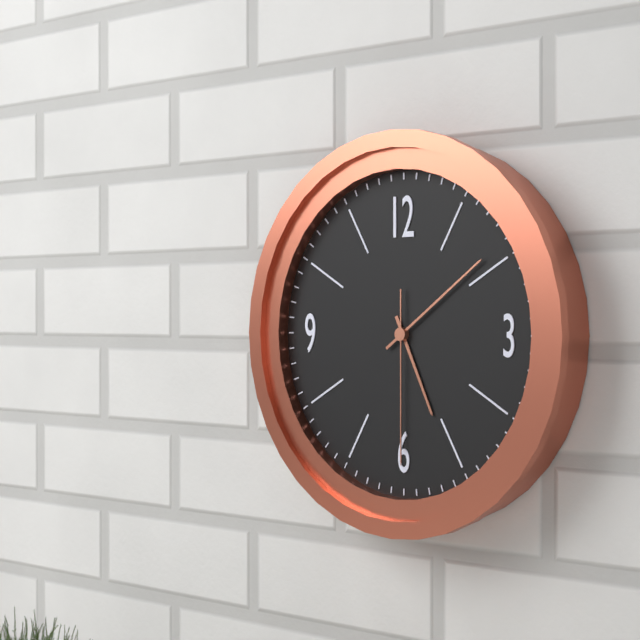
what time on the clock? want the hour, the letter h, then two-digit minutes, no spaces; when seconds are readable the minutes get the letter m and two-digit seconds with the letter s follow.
5h09m30s
